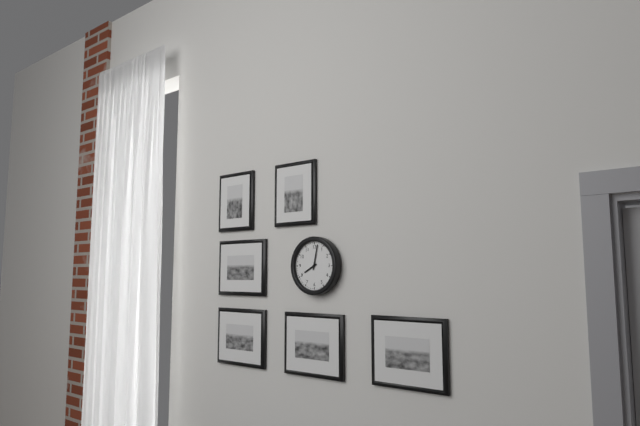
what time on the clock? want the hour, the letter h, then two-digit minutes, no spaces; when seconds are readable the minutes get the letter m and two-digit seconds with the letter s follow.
8h02
